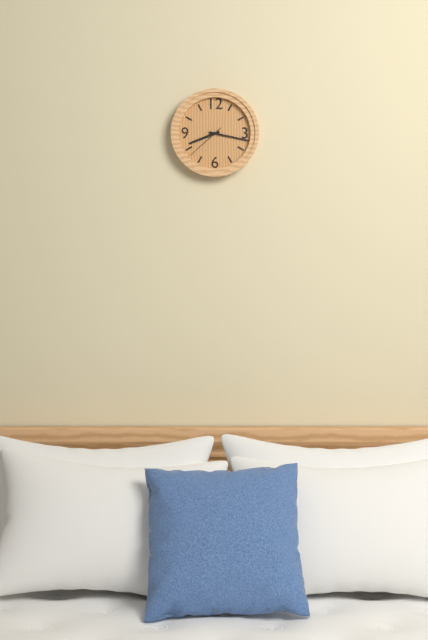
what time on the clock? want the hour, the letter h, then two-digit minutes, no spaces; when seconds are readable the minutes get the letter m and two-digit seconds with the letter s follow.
8h17
